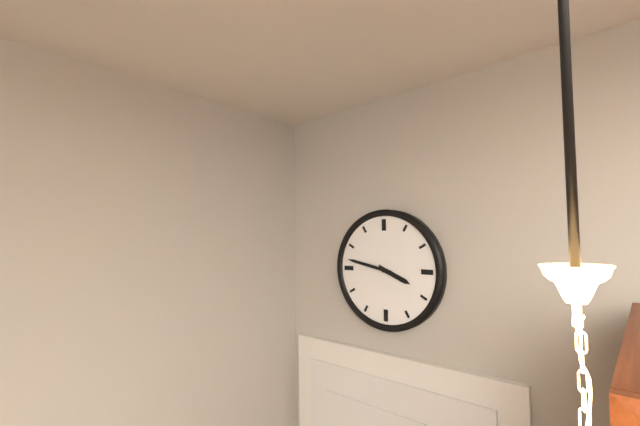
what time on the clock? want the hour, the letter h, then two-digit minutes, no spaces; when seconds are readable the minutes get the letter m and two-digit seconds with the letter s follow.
3h47
